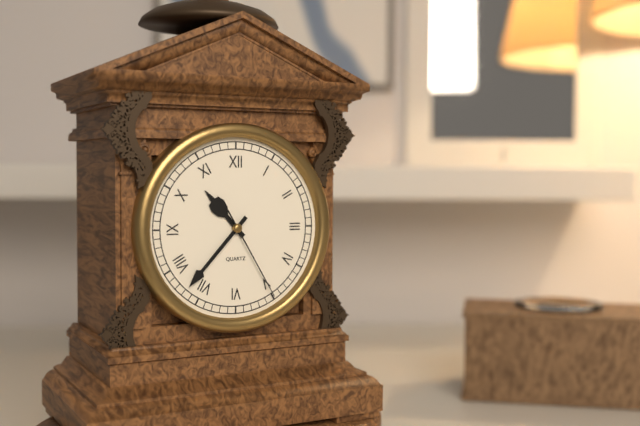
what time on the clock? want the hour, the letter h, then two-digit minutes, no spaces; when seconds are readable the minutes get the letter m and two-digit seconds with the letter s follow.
10h37m25s
